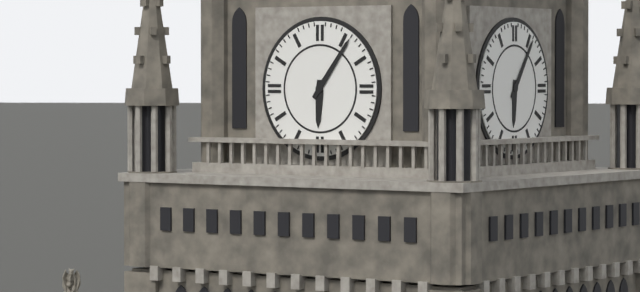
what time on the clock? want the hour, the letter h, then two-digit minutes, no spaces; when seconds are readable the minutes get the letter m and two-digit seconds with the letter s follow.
6h06
